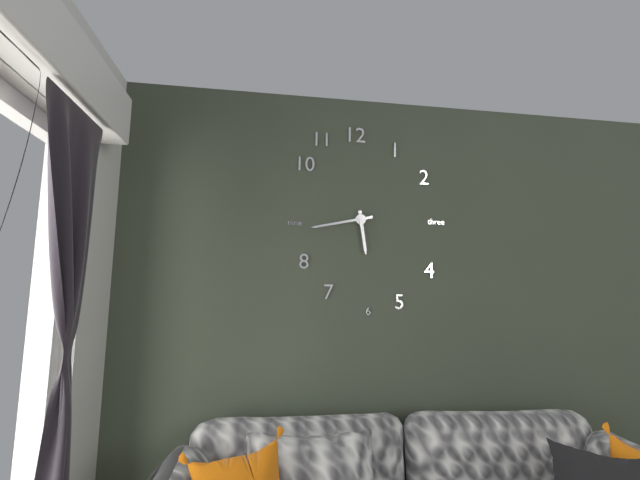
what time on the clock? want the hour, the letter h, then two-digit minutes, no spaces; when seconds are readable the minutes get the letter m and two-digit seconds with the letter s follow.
5h43
